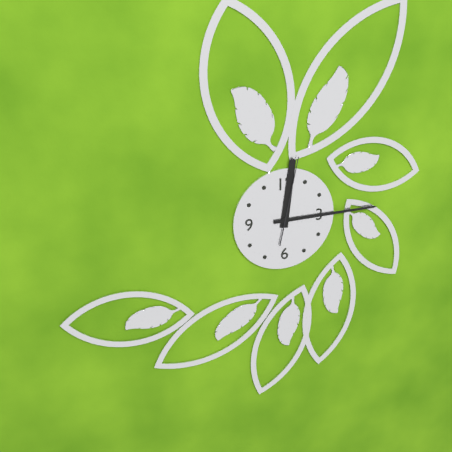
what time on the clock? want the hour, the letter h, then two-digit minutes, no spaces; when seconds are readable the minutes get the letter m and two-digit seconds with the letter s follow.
12h15m02s
